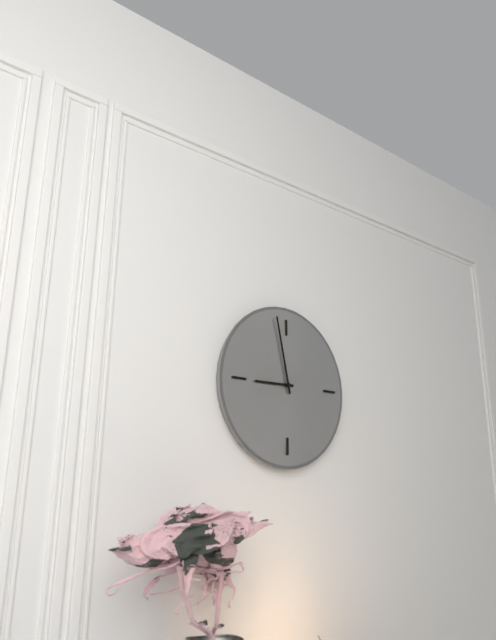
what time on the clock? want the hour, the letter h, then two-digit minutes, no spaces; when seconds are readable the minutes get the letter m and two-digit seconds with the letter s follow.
8h58
